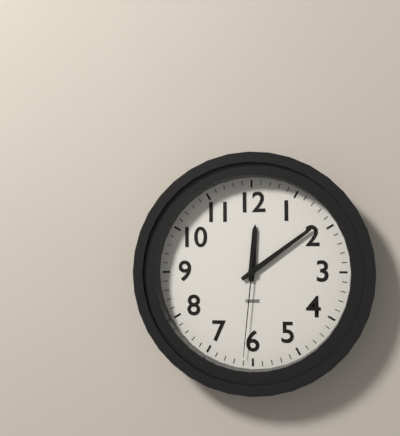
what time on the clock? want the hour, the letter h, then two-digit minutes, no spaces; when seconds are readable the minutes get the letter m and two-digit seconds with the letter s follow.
12h09m31s
